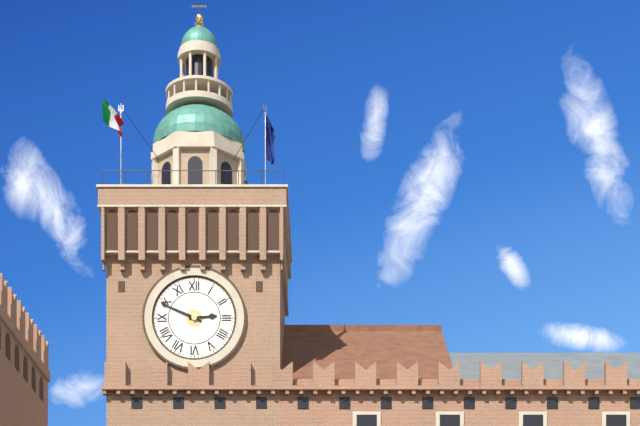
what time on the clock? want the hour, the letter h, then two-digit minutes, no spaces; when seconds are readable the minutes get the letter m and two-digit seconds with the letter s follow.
2h49
